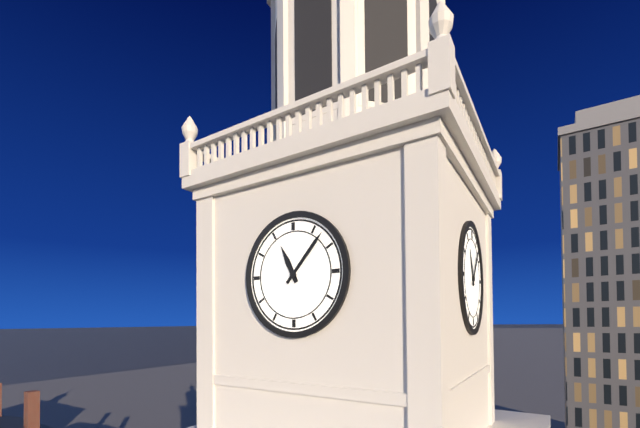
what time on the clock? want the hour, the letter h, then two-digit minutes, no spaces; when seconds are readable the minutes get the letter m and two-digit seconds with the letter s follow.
11h07
